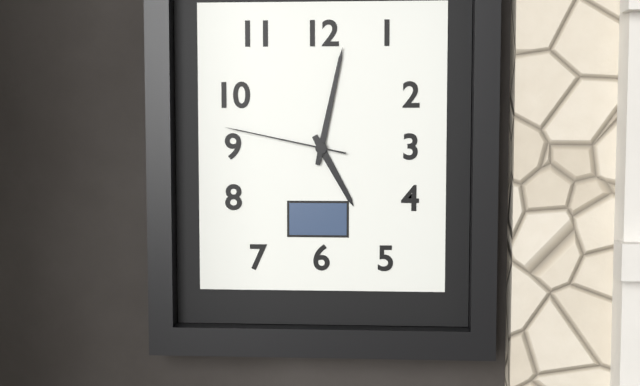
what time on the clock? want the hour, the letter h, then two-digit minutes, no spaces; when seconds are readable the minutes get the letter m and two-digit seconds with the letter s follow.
5h02m47s
